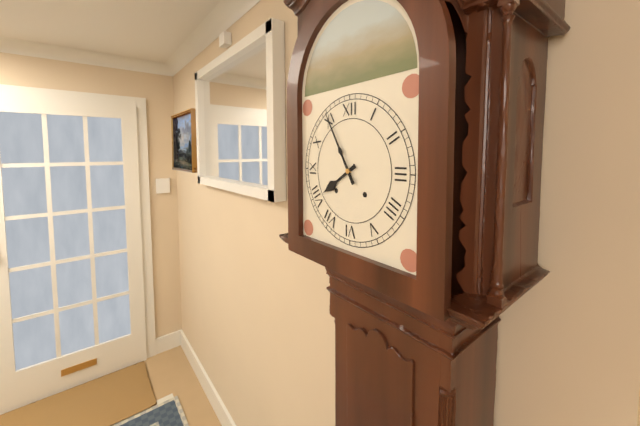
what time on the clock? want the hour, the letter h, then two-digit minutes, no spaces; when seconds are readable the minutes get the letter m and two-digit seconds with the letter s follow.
7h55
